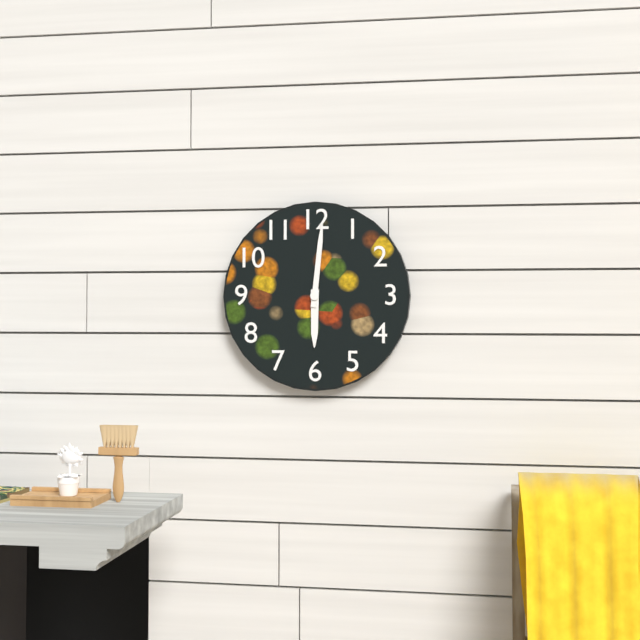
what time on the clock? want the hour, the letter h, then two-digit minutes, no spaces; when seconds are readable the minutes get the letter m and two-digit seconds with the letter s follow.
6h01
